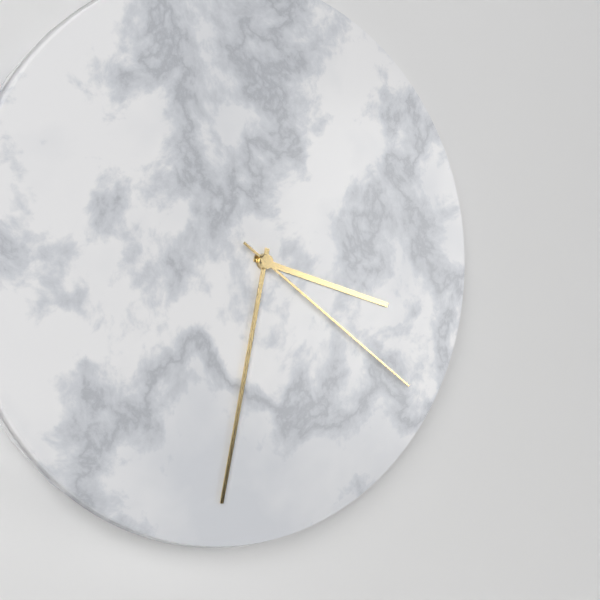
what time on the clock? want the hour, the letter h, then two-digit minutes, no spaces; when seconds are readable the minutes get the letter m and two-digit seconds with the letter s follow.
3h32m21s
